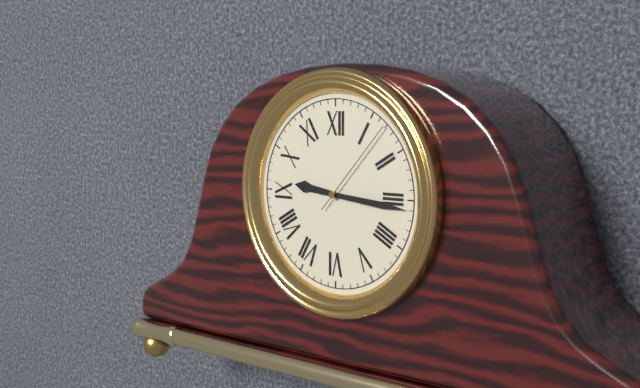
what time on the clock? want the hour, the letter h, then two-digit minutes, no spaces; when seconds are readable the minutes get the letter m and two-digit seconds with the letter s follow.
9h16m07s
